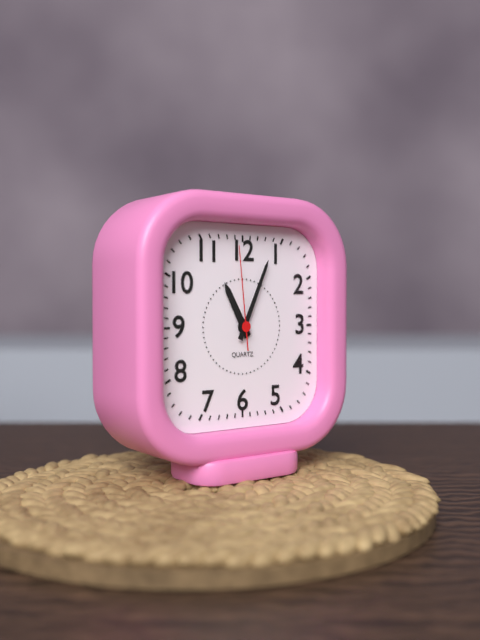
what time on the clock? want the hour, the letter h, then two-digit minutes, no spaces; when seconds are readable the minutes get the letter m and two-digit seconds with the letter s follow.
11h04m59s
